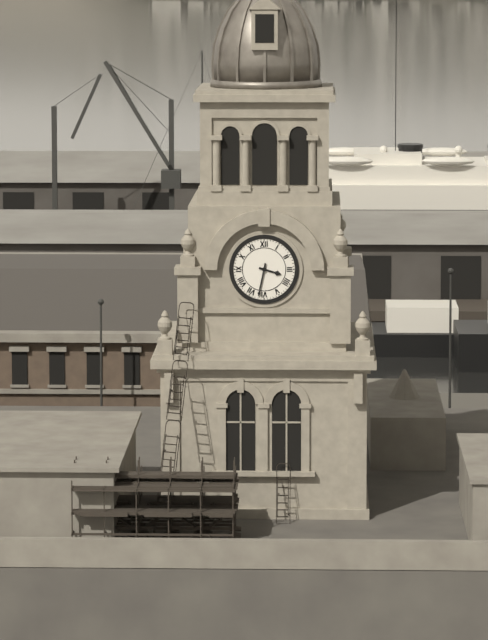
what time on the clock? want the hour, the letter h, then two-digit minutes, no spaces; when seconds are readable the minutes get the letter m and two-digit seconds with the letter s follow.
3h32
